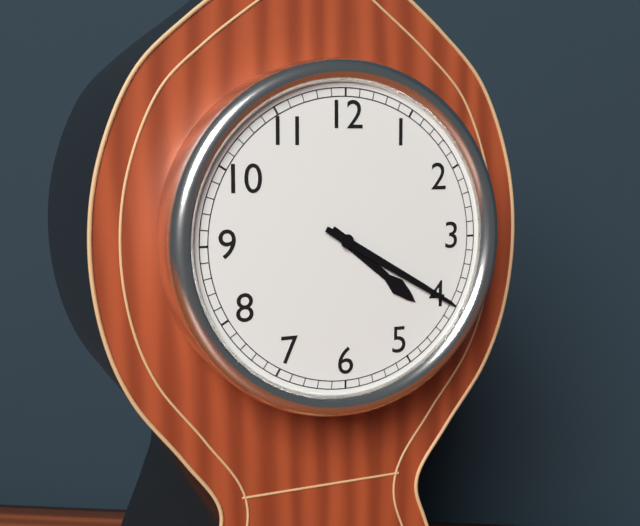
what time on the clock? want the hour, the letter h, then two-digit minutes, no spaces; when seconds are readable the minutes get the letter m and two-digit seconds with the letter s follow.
4h20
